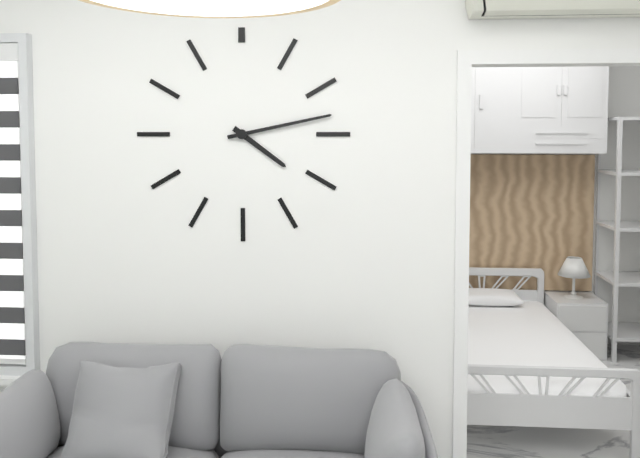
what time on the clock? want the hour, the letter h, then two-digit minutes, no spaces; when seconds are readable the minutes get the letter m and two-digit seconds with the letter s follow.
4h13
